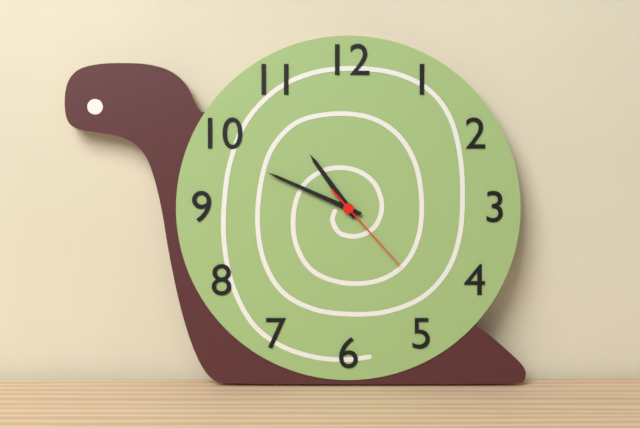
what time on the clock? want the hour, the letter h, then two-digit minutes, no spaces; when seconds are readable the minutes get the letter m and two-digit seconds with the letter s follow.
10h49m23s
